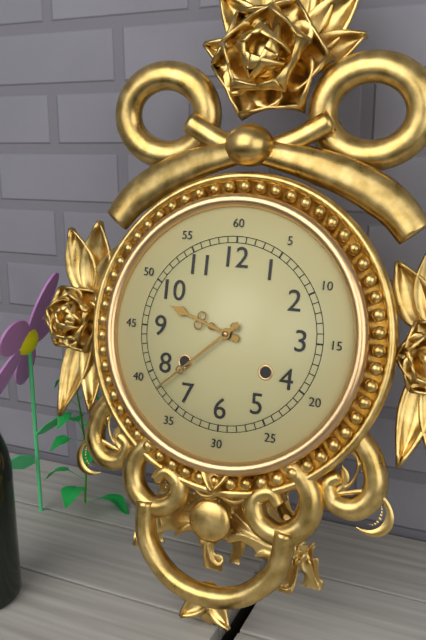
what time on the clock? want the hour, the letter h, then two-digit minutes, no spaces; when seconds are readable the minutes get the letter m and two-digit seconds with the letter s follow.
9h38
